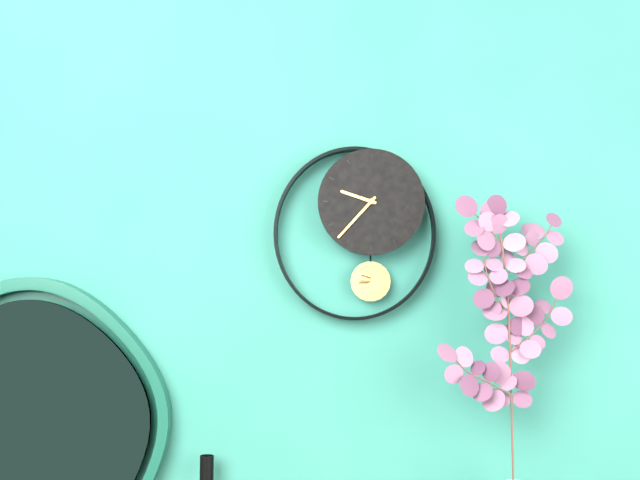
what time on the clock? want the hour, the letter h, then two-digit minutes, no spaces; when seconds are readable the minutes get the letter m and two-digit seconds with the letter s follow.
9h37
